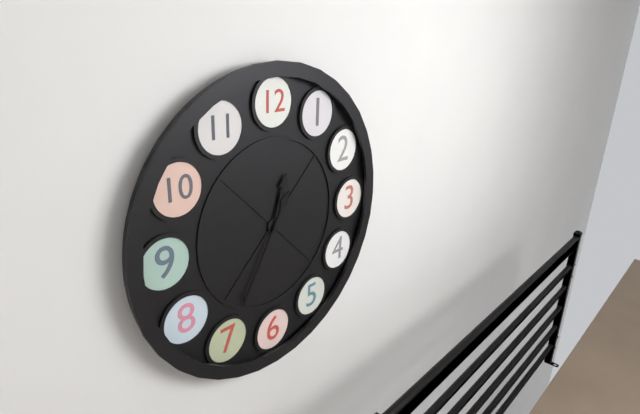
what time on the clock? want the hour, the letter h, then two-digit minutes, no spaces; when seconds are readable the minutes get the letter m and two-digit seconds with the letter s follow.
12h35
